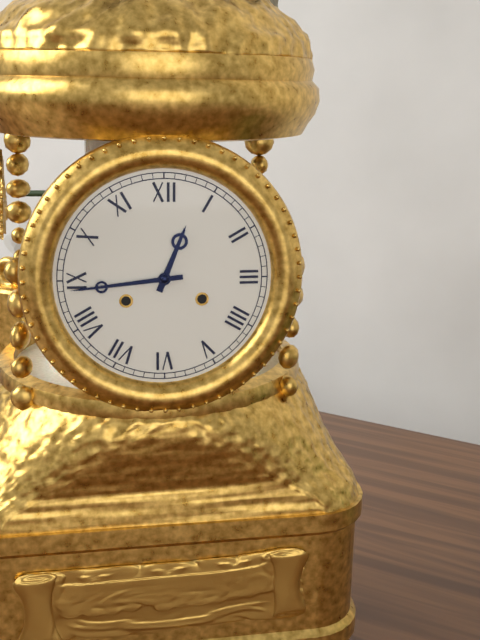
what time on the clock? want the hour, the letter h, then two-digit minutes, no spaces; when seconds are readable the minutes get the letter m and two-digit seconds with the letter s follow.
12h44
